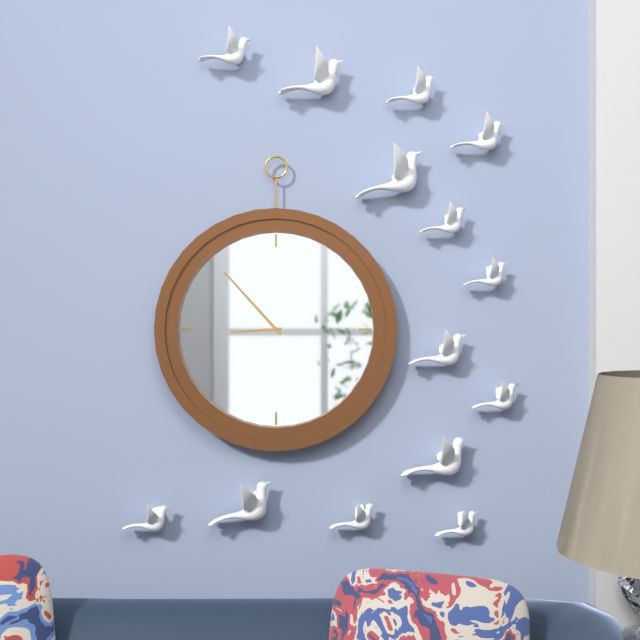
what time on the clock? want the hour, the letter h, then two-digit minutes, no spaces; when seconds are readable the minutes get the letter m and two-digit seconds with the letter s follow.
8h53
